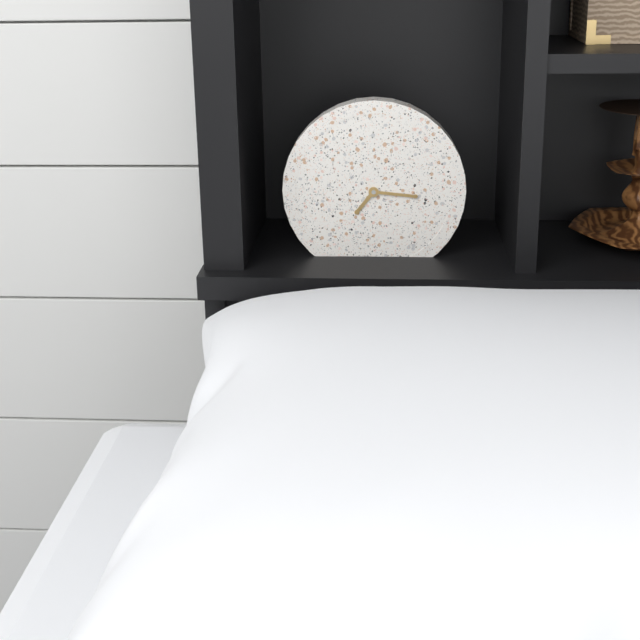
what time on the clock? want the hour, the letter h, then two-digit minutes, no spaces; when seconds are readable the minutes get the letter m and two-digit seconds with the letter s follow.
7h16
